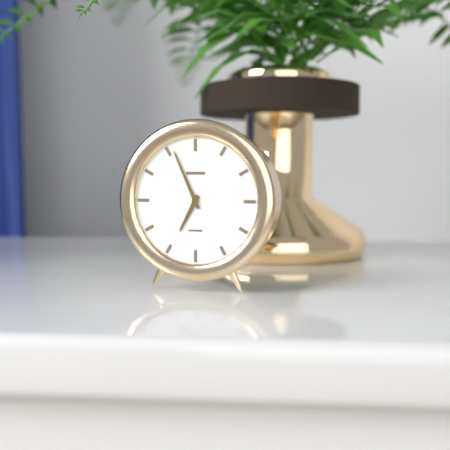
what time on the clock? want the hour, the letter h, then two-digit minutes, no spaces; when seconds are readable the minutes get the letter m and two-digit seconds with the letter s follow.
6h56
